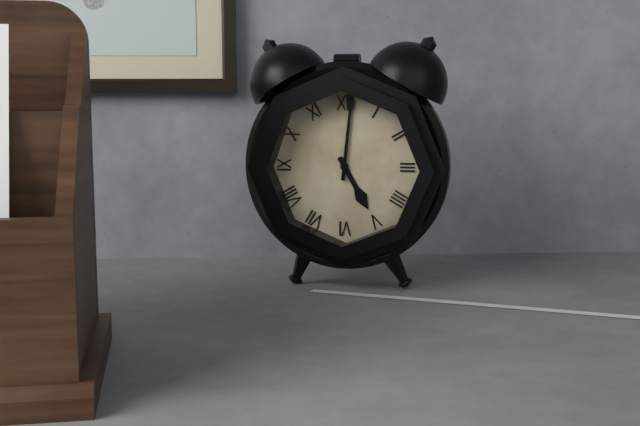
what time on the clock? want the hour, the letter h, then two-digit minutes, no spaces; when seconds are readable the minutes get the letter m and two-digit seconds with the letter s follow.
5h01
